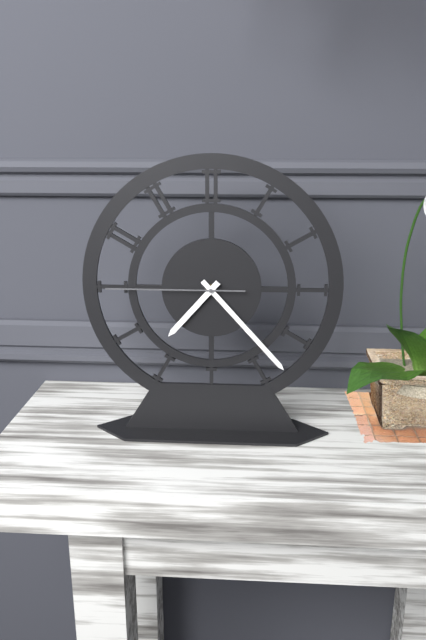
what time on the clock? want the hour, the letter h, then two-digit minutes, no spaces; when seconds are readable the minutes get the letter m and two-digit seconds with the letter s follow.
7h23m45s
